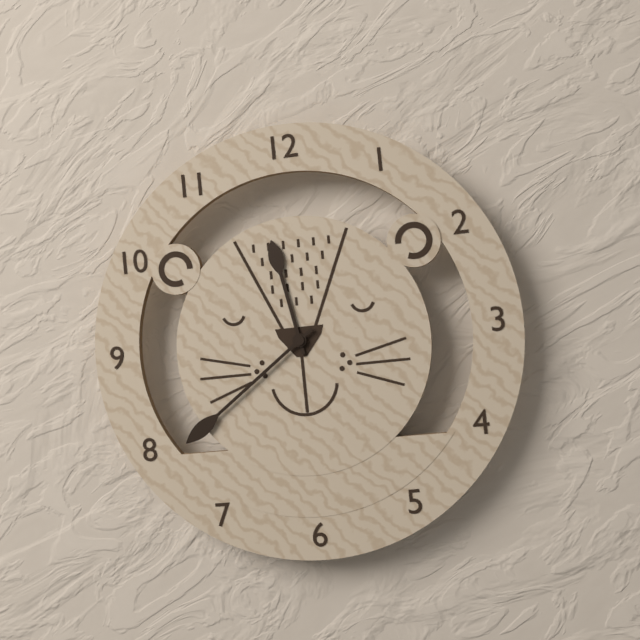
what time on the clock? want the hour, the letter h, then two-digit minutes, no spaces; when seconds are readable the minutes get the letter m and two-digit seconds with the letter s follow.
11h39
